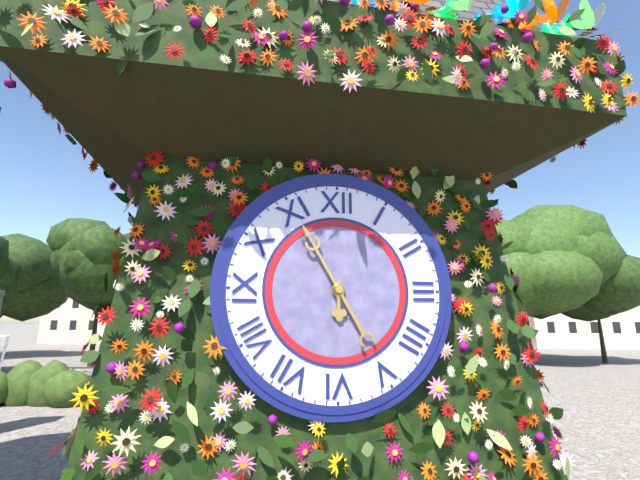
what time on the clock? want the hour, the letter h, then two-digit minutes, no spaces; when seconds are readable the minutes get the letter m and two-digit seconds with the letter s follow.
5h55
